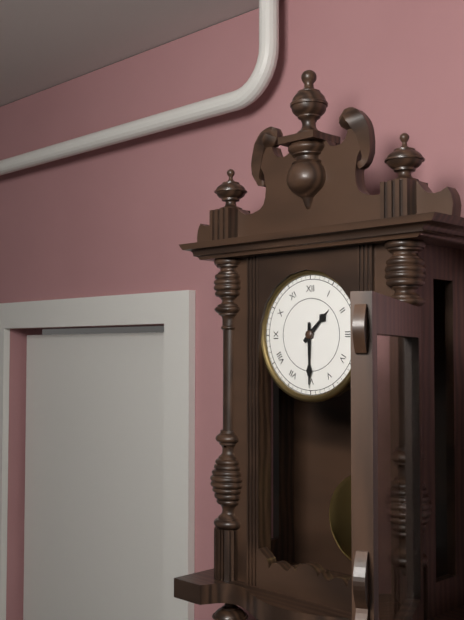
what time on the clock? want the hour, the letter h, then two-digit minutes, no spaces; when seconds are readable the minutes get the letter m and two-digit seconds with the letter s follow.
1h30
